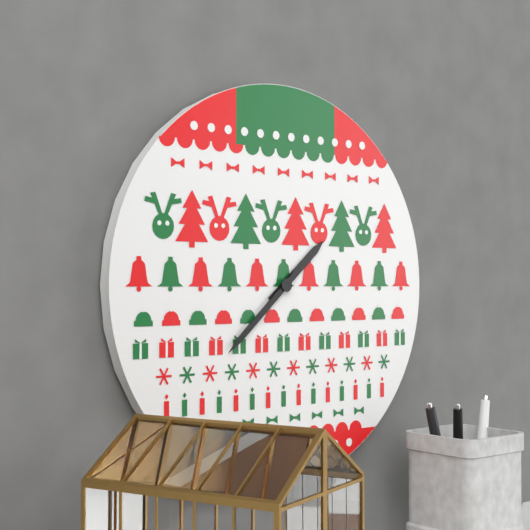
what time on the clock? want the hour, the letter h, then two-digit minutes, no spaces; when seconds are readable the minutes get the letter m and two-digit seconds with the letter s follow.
1h38
